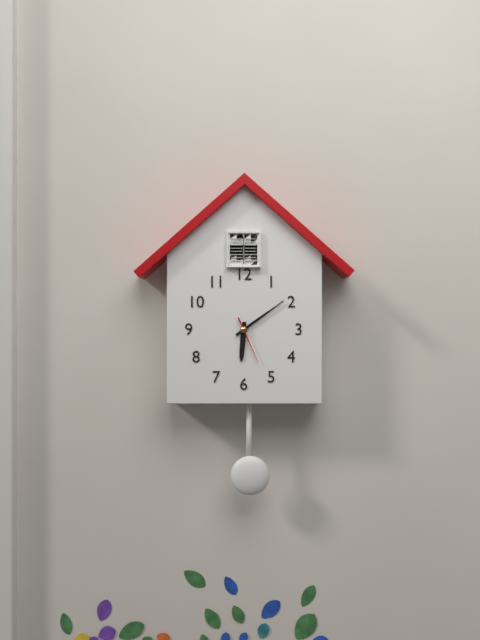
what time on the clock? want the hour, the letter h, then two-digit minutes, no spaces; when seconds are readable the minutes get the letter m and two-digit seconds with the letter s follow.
6h09
